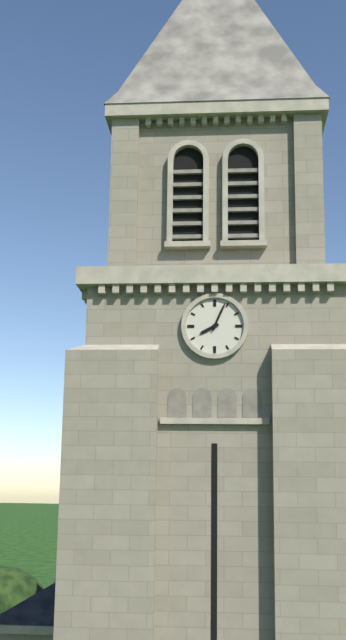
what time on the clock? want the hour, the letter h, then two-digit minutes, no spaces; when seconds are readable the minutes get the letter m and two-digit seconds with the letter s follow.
8h04
